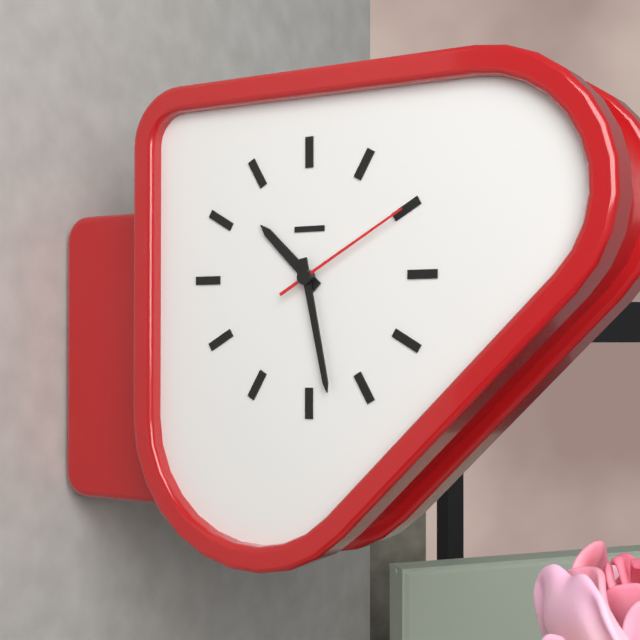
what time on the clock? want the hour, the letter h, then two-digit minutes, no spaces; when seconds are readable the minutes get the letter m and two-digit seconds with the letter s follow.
10h28m10s
